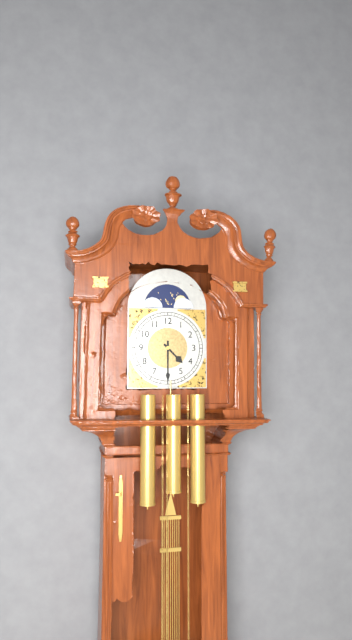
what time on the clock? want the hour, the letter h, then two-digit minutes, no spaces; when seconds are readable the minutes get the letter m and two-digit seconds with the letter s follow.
4h30
